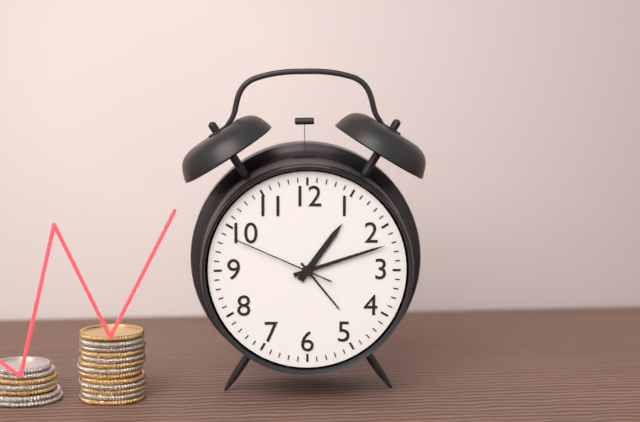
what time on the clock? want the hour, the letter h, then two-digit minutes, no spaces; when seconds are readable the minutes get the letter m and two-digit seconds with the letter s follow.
1h12m49s
